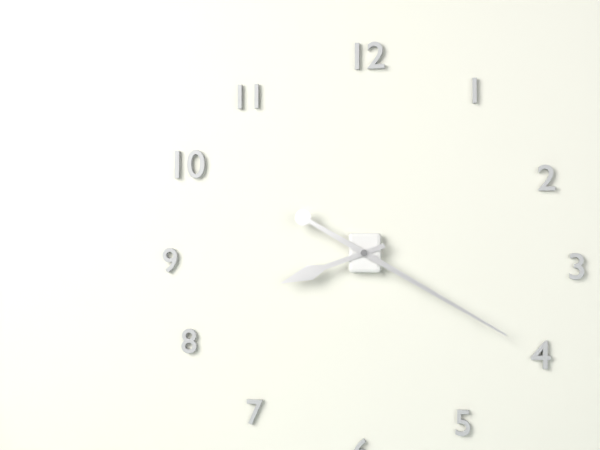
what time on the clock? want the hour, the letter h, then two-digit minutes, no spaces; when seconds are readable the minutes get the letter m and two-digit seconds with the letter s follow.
8h20
